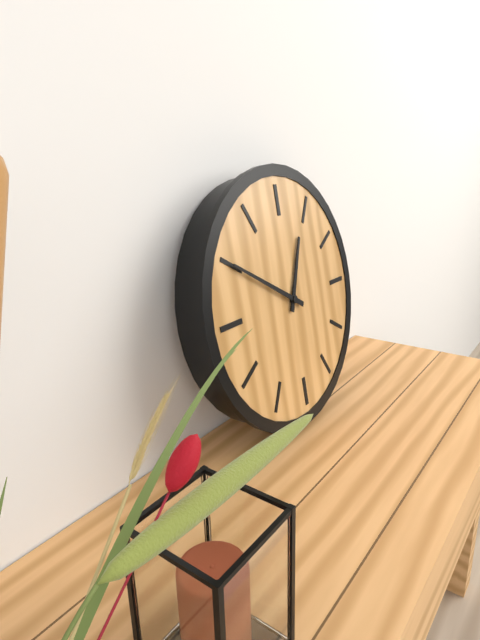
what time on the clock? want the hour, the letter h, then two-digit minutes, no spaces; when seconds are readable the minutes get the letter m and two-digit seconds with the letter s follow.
12h50
